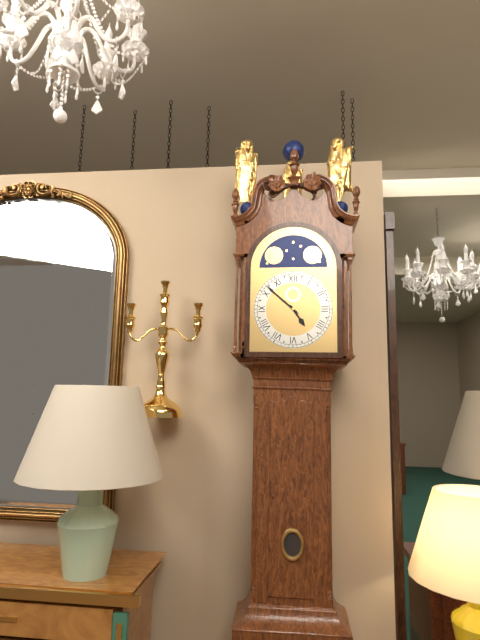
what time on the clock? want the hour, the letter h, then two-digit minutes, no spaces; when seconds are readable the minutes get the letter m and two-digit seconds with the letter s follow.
4h52
